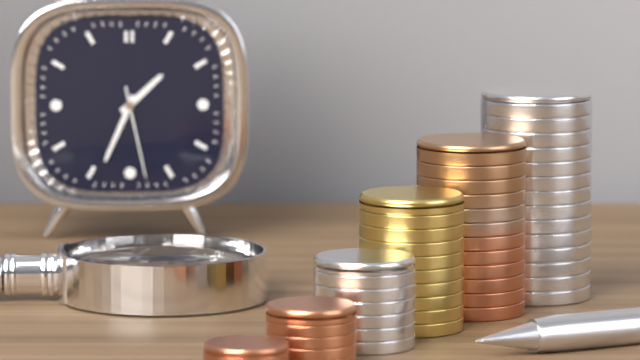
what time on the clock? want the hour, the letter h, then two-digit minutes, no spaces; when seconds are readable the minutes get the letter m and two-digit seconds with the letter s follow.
1h34m28s
